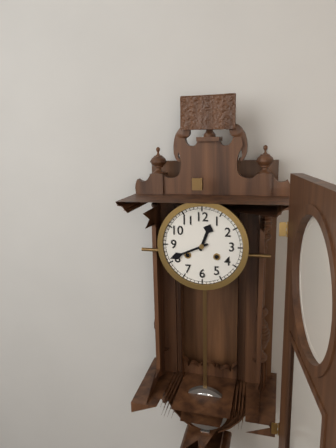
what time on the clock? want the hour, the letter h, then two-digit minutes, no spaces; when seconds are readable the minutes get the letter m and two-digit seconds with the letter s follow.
12h41
